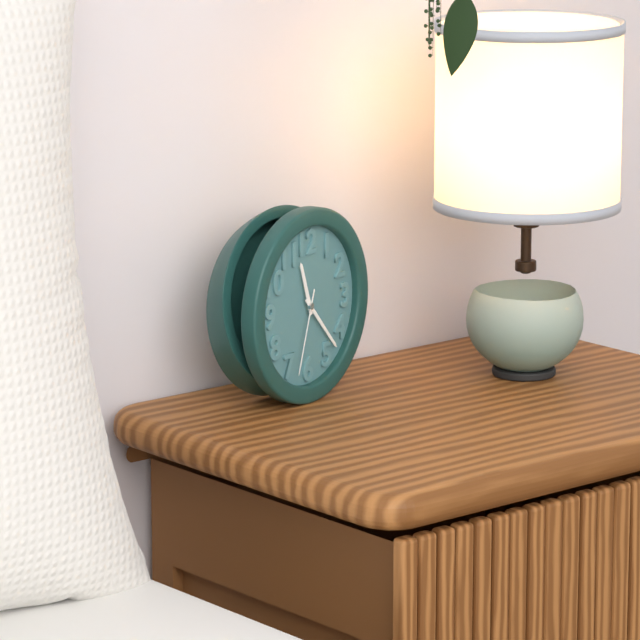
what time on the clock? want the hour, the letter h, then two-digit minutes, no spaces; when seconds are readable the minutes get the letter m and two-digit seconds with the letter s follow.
11h23m33s
